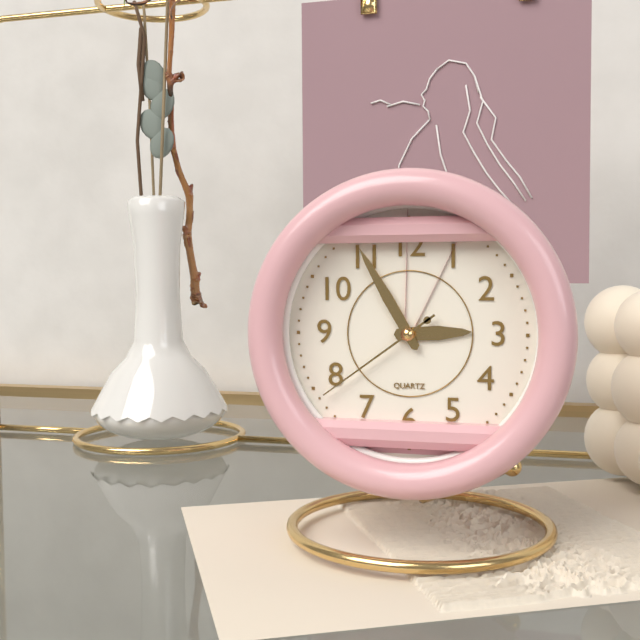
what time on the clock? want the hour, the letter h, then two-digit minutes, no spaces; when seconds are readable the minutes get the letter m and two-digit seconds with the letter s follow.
2h55m39s
